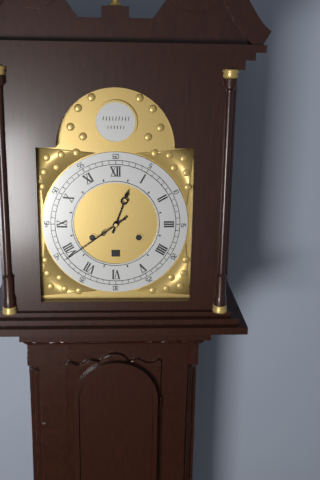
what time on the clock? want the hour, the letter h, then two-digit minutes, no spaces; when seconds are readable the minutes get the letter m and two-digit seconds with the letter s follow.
12h39
